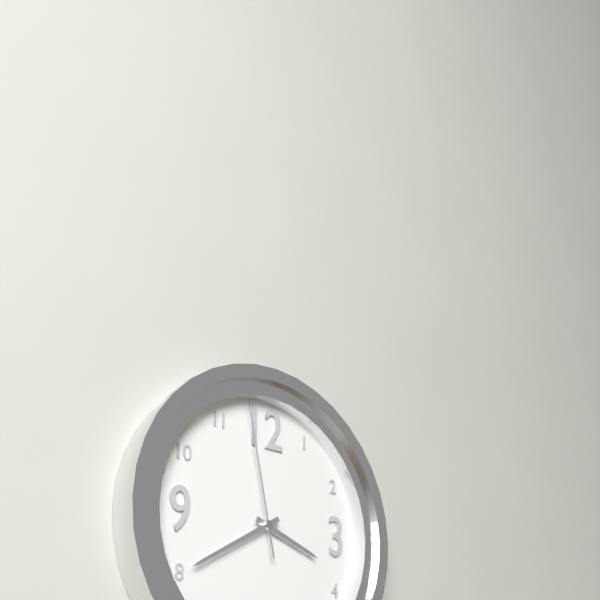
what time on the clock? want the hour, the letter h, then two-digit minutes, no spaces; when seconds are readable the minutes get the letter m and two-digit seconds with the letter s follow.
3h40m58s
